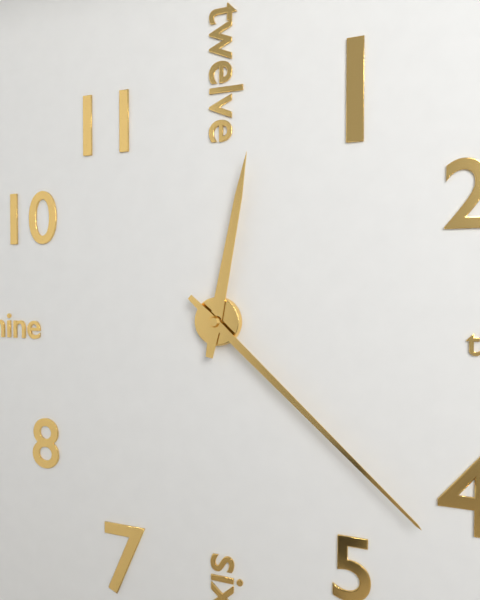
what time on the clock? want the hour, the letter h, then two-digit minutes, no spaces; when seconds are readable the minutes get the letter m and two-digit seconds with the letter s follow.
12h22
